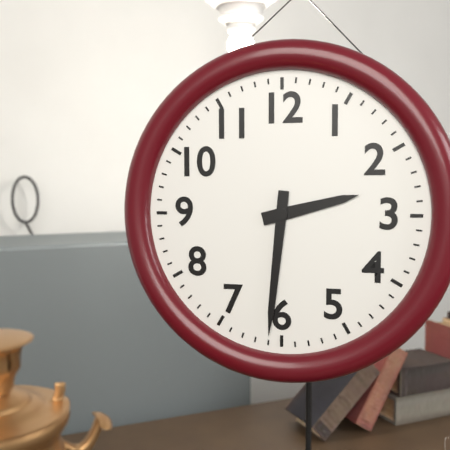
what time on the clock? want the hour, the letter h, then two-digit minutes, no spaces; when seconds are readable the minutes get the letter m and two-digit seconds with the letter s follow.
2h31
